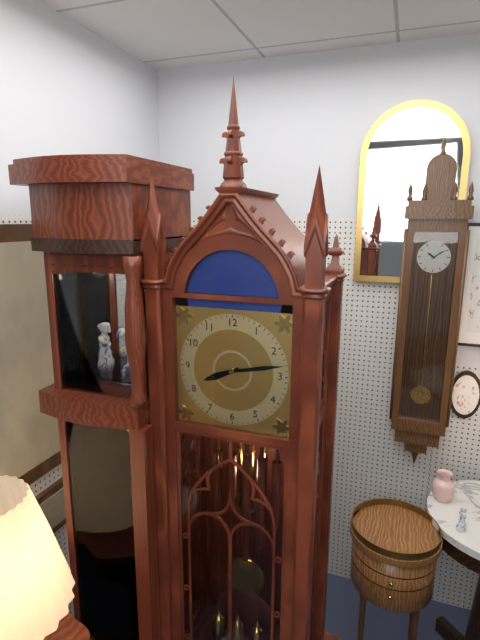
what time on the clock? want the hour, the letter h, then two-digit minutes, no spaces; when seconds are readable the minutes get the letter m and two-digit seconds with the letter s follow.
8h13
